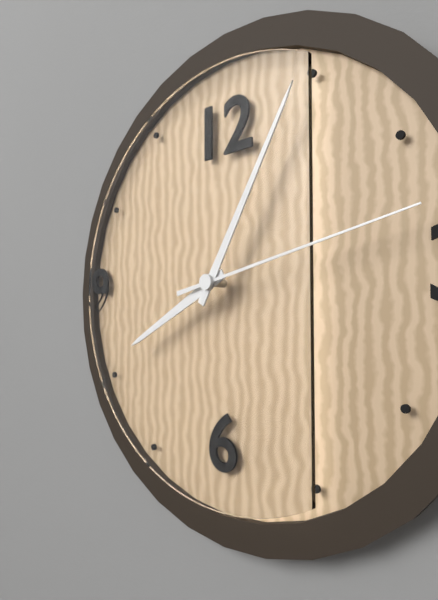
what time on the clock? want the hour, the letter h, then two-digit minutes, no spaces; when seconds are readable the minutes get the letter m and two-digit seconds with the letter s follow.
8h05m13s
